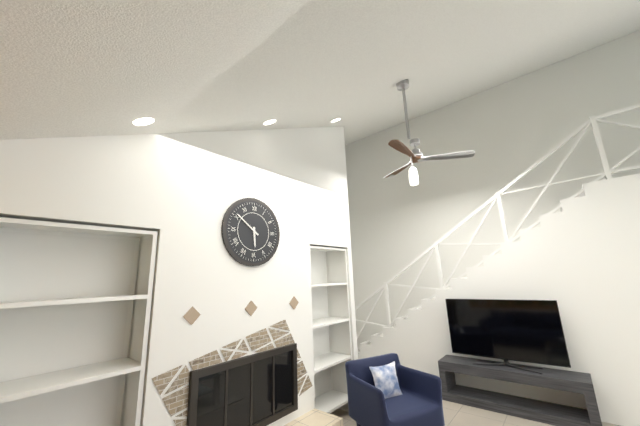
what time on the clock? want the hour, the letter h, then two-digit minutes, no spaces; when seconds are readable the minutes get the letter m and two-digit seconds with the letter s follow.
5h51
